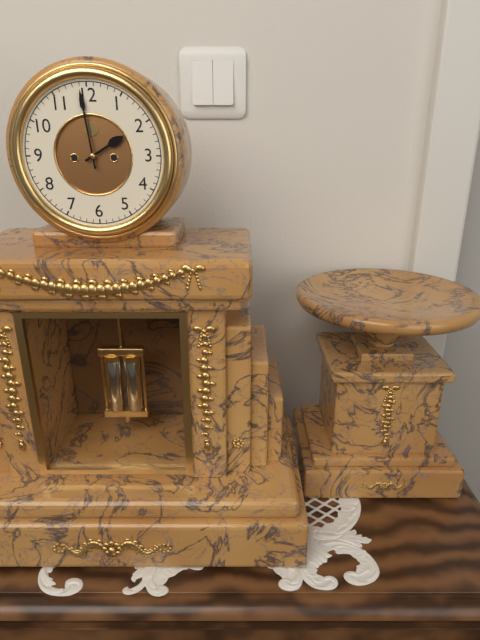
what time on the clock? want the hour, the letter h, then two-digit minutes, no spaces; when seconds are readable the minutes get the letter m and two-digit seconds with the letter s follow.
1h59
